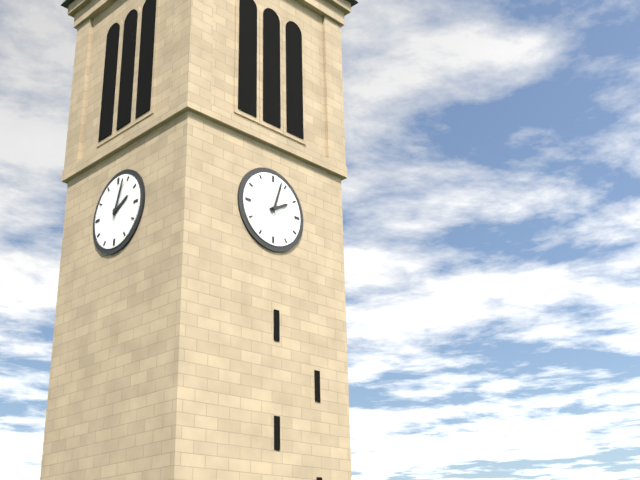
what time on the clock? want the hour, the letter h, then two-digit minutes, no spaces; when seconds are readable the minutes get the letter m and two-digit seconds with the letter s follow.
2h03
